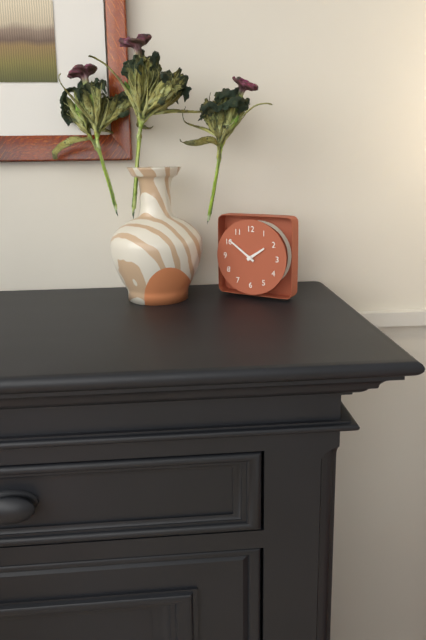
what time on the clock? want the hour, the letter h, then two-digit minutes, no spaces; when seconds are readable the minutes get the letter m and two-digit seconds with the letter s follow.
1h51
